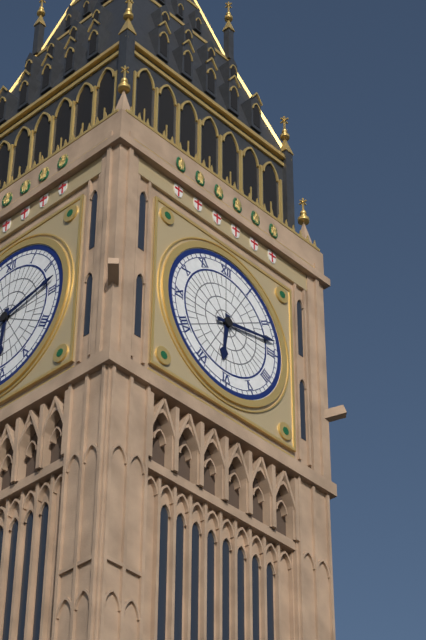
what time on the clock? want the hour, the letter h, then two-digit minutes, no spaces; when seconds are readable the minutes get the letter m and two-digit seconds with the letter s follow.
6h13
